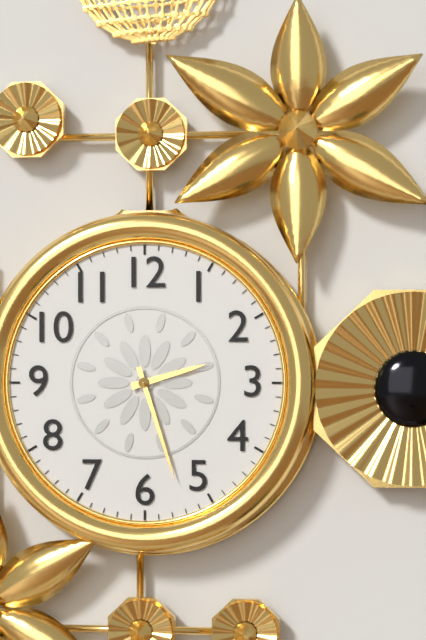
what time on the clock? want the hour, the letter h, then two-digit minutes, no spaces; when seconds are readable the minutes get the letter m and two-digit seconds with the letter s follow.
2h27
